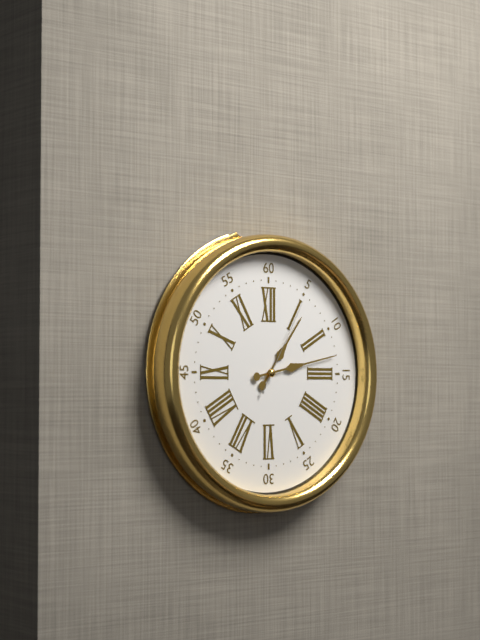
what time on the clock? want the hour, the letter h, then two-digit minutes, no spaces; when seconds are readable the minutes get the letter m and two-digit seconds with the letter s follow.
1h13m05s
